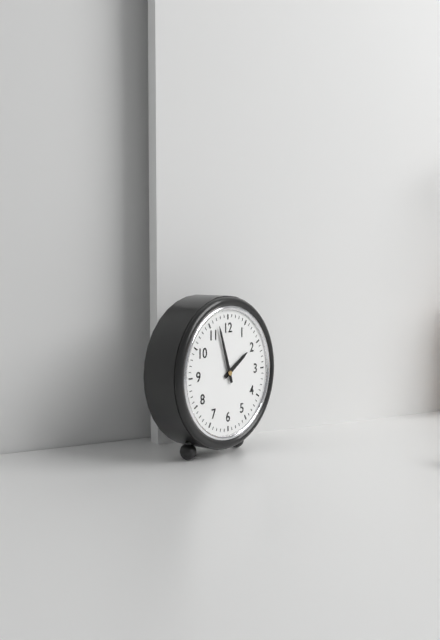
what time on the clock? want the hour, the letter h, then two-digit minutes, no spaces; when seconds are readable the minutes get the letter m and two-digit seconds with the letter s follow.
1h57
